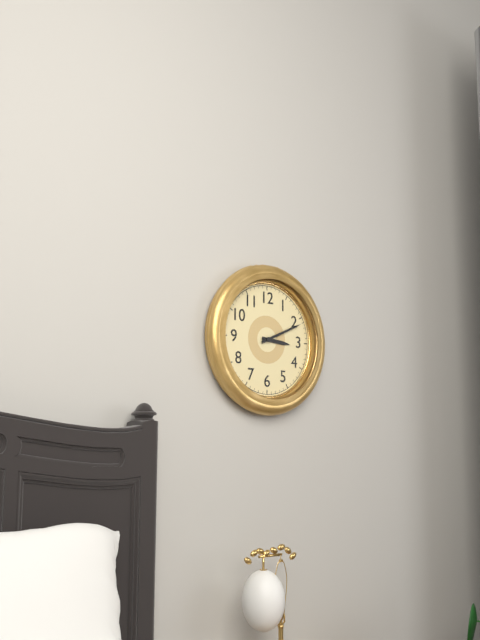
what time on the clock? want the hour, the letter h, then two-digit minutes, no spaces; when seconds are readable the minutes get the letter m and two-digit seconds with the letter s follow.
3h11
